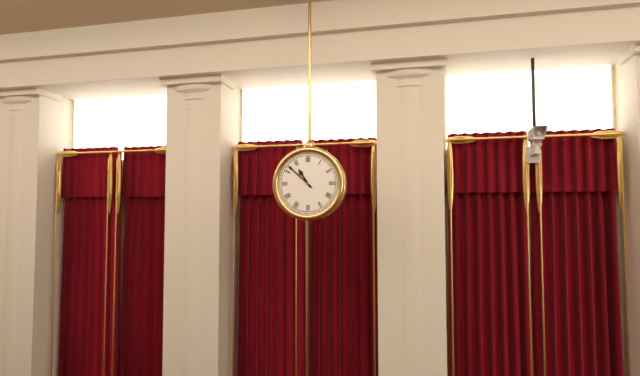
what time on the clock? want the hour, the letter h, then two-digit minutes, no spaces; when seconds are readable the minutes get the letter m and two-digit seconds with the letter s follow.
10h52
